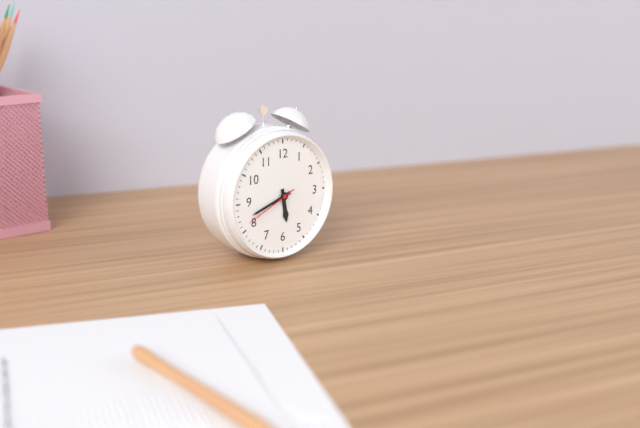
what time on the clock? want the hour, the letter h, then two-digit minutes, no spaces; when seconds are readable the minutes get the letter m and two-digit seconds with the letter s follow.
5h42m41s
